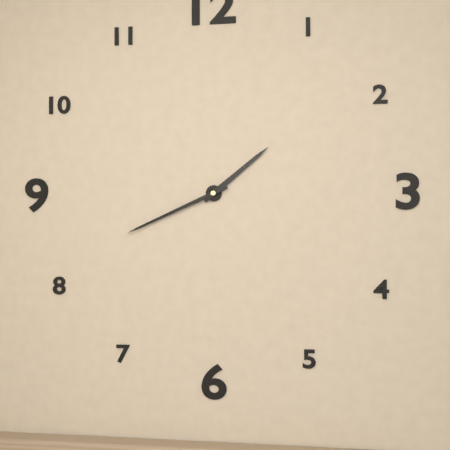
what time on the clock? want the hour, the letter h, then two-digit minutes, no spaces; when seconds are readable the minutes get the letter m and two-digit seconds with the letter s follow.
1h41
